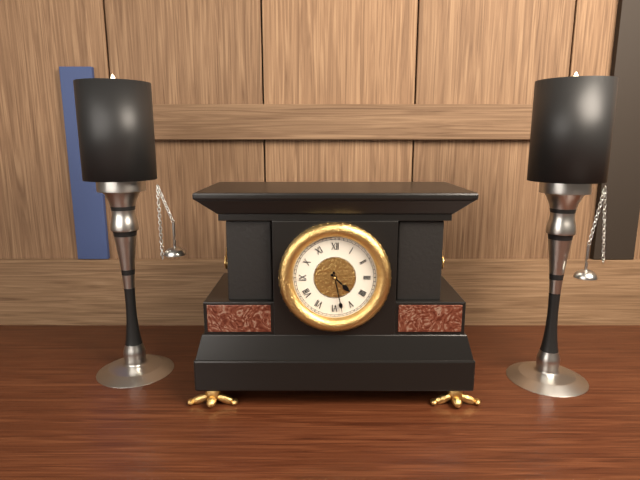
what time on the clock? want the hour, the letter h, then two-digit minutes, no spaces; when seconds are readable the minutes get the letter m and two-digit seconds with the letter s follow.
4h28
